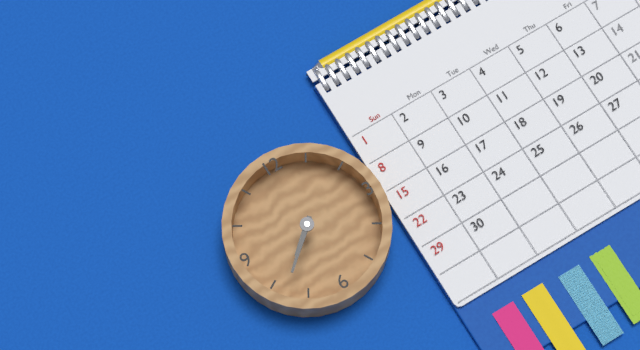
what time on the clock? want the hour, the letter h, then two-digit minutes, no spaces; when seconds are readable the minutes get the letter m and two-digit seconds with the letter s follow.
7h38
